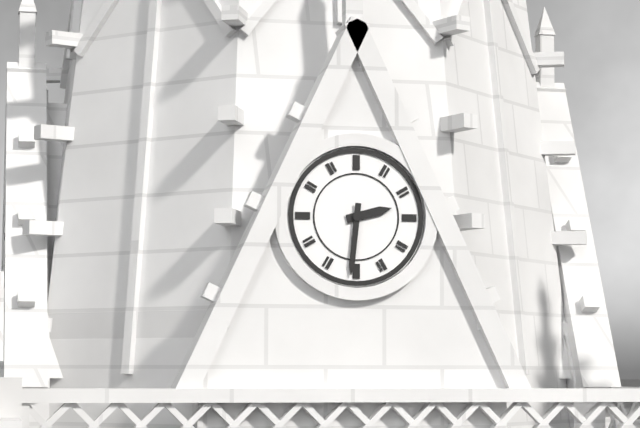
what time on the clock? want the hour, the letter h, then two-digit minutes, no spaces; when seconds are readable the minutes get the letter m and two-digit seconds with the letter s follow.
2h31
